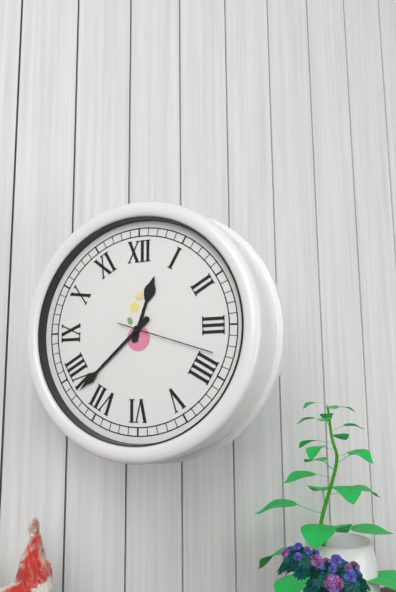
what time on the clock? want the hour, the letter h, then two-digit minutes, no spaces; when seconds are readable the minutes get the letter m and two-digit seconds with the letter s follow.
12h38m18s
